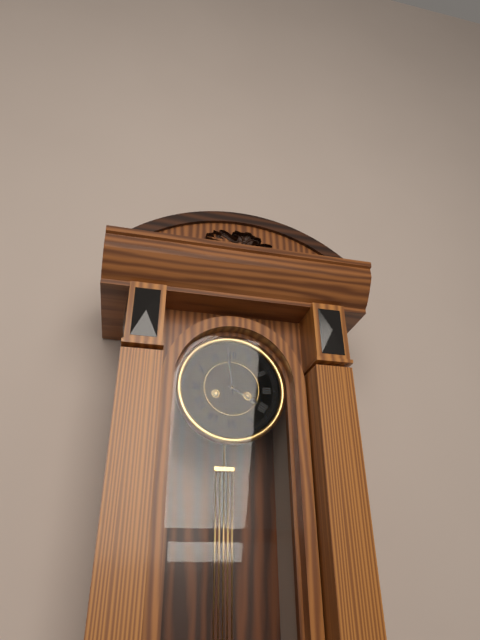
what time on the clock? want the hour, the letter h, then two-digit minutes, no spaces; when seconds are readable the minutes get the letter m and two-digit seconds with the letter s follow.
3h59
